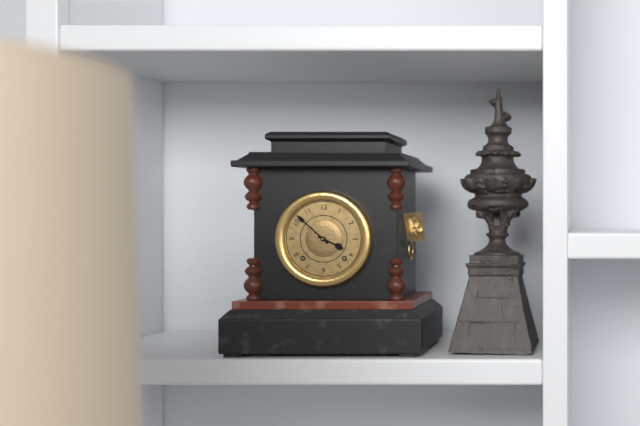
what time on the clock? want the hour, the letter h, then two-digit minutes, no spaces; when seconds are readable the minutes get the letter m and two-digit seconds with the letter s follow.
3h52
